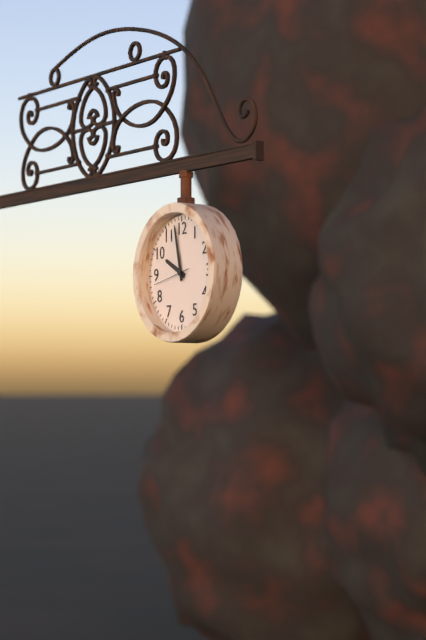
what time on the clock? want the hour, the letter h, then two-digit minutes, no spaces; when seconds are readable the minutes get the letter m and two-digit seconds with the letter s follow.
9h58
